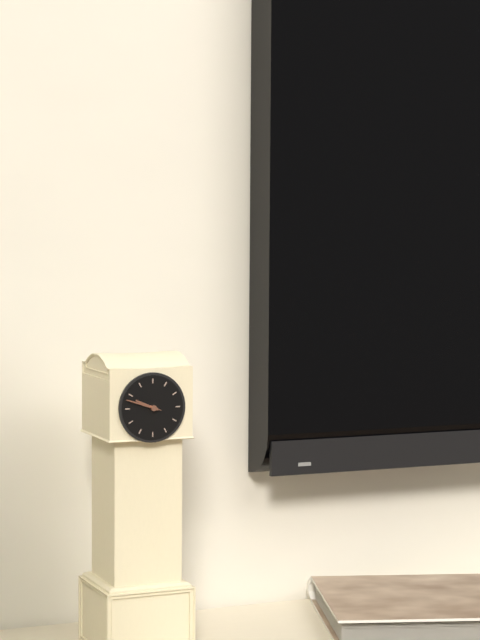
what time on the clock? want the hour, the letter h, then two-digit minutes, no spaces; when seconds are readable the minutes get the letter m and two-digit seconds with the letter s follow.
9h48
